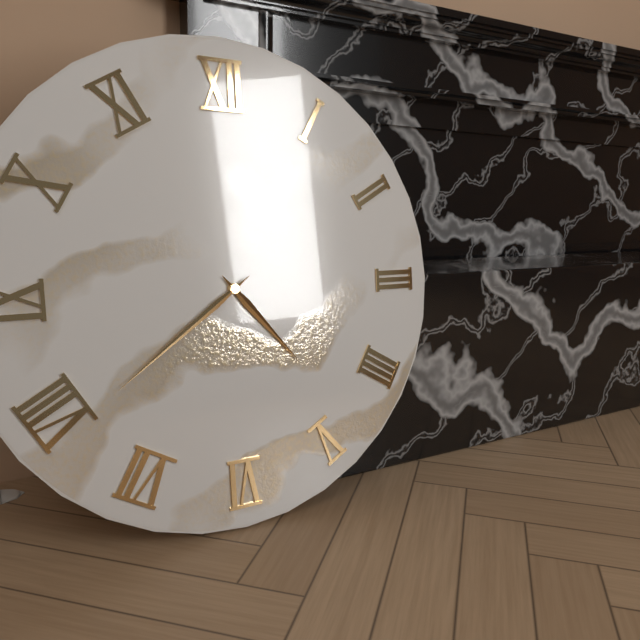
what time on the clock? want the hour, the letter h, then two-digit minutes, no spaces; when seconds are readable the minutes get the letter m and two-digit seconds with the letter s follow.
4h39
